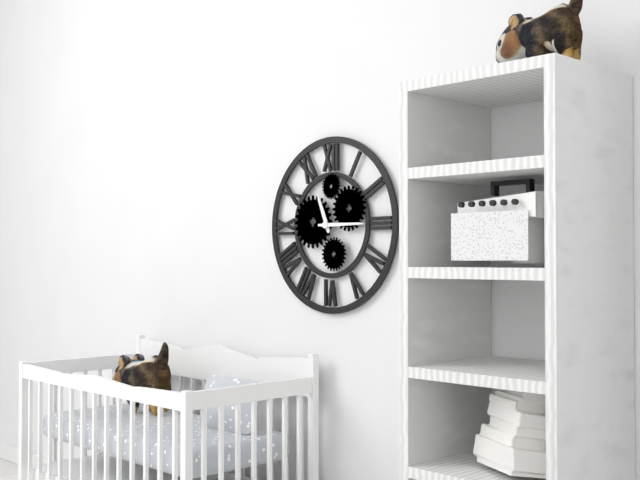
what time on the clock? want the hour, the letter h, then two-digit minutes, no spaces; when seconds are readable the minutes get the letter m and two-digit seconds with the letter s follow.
11h15
